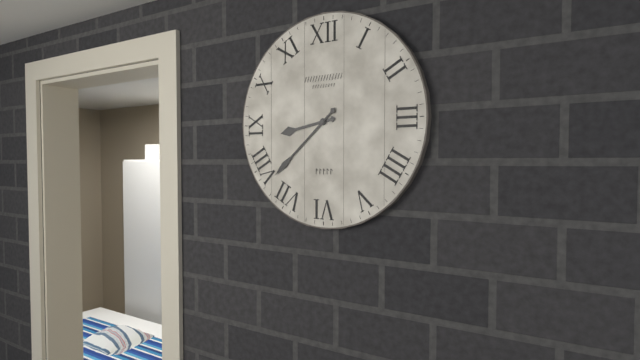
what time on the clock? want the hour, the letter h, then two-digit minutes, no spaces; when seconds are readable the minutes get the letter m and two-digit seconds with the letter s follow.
8h38
